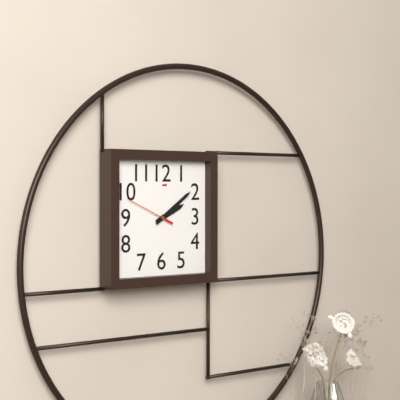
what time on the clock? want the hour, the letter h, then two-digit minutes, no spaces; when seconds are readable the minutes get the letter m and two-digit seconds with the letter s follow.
2h09
